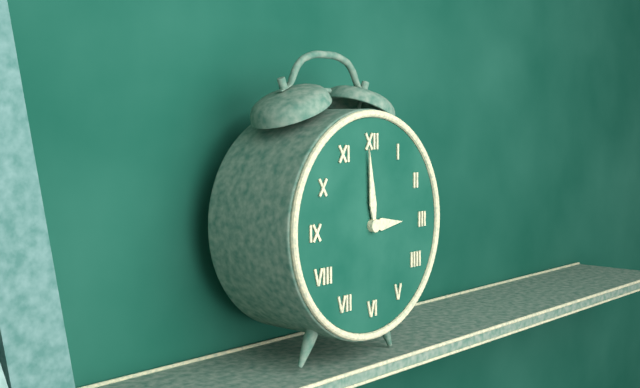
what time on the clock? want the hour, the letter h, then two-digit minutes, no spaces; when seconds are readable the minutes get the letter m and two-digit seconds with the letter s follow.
2h59
